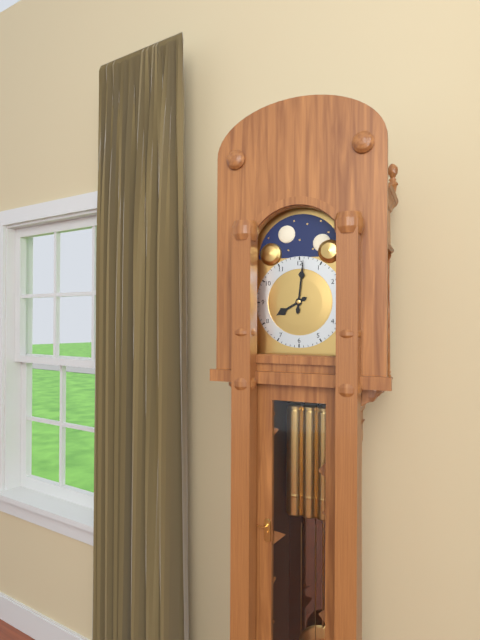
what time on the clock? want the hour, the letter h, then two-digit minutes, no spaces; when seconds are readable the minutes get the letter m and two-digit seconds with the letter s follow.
8h01
